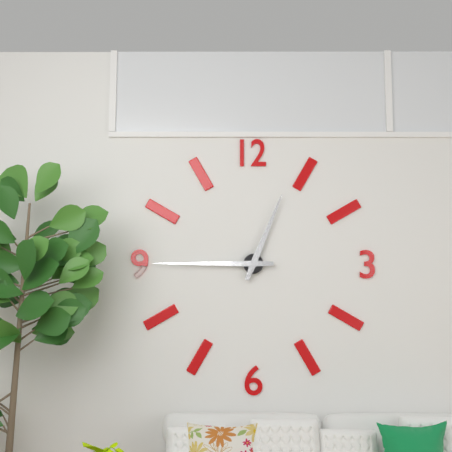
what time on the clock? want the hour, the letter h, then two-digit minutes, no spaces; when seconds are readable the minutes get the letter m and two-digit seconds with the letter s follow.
12h45
